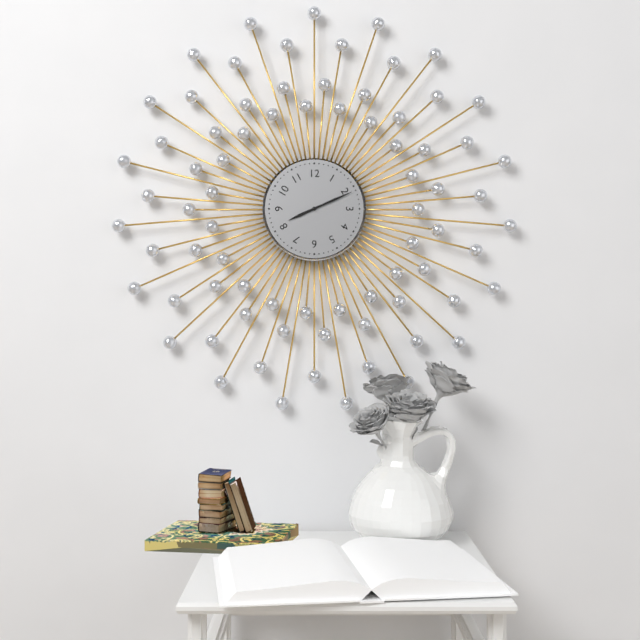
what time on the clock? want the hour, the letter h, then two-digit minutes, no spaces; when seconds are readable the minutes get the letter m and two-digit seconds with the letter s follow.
8h11
